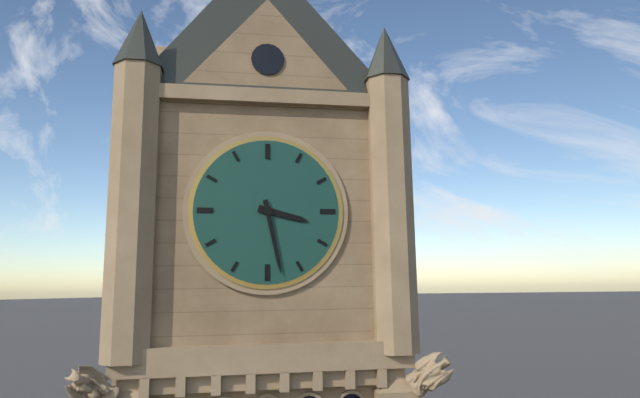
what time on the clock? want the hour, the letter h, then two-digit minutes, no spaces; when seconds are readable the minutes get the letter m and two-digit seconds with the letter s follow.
3h28
